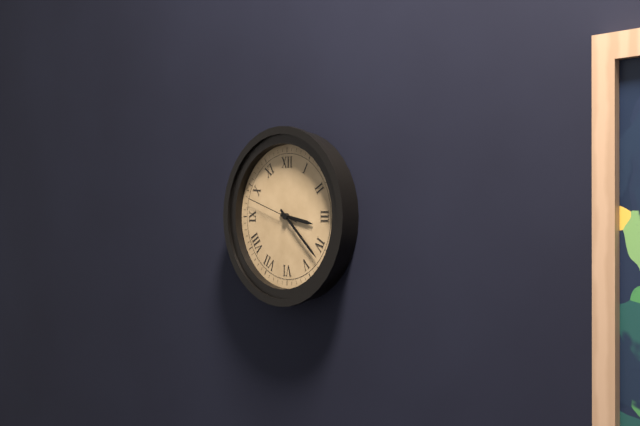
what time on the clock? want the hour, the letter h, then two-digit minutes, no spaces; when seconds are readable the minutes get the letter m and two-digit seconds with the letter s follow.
3h22m48s
